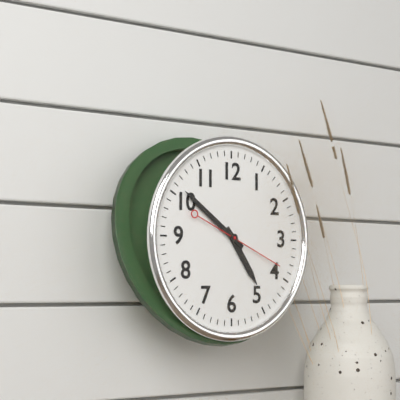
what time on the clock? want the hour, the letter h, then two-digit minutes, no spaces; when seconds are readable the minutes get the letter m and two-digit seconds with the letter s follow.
4h51m19s
